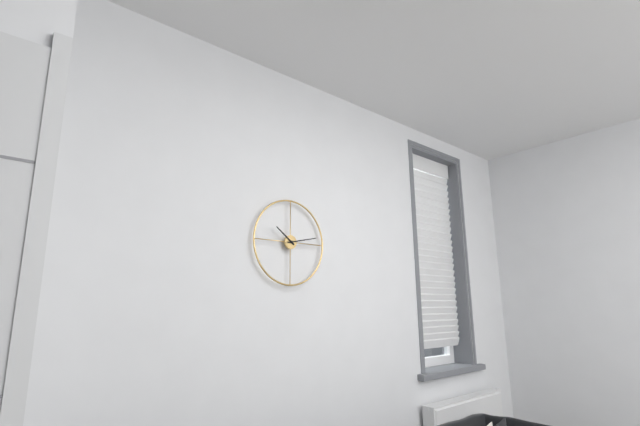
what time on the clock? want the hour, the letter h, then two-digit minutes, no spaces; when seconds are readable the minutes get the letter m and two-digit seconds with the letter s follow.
10h13
